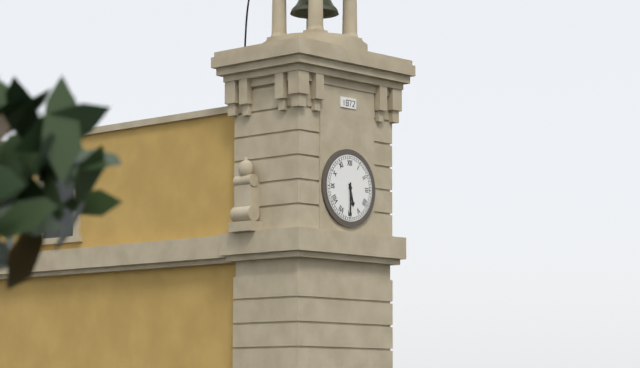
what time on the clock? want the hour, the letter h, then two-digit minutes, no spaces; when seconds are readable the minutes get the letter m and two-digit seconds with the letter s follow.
5h30
